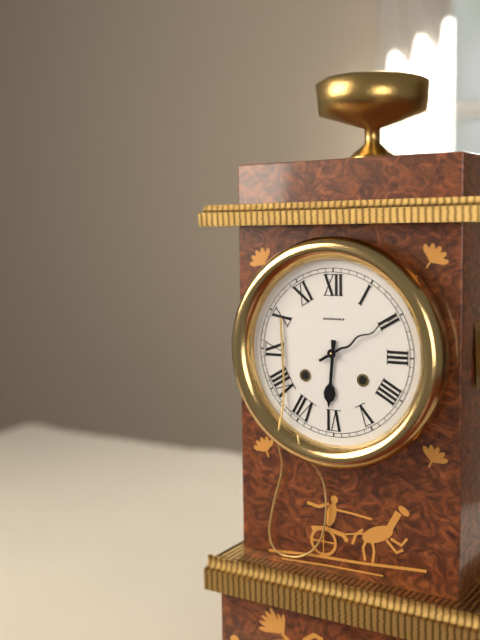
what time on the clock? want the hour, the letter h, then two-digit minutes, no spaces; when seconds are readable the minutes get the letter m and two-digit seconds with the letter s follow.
6h10
